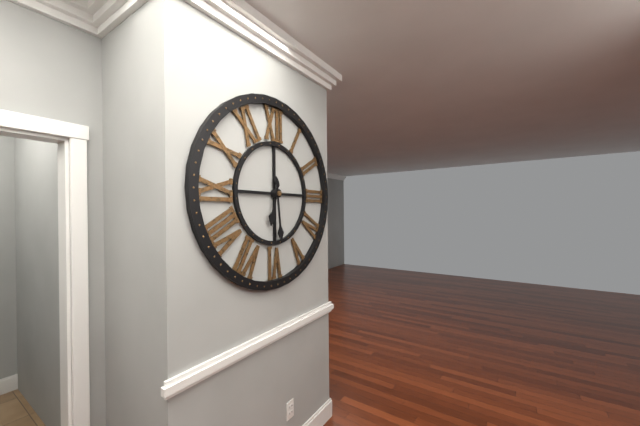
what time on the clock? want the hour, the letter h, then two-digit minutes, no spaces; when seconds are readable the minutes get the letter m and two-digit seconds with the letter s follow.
6h29
